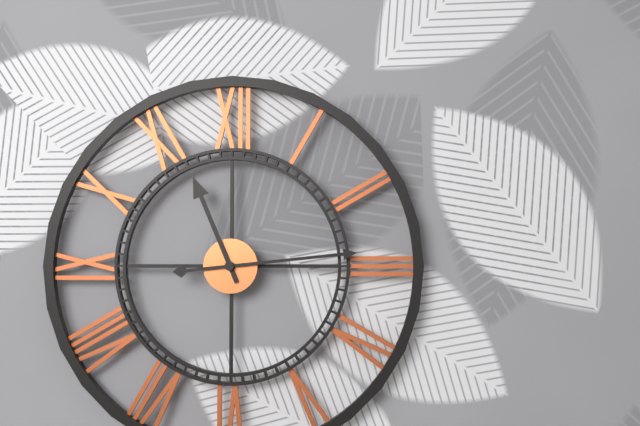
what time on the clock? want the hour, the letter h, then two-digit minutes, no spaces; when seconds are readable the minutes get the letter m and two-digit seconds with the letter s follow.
11h14
